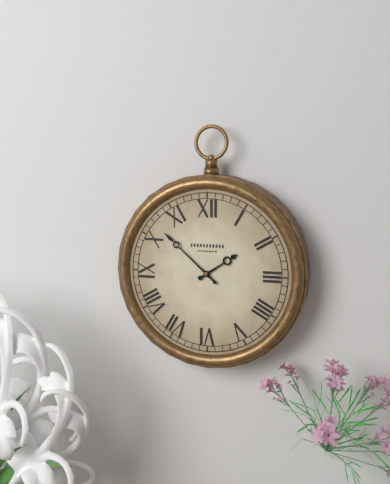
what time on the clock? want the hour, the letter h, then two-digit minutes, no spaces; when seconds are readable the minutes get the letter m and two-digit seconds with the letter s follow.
1h52
